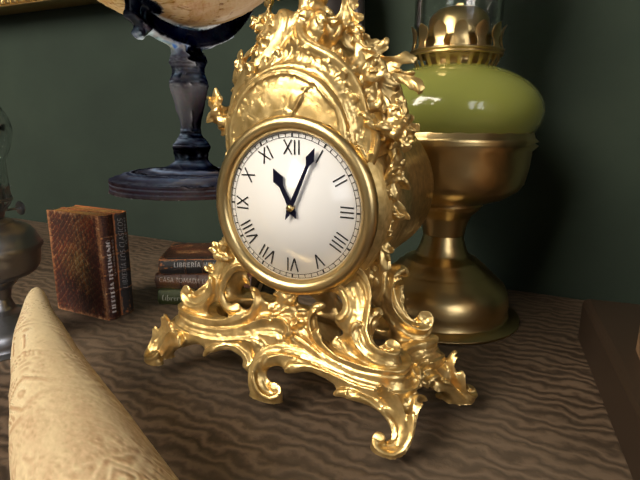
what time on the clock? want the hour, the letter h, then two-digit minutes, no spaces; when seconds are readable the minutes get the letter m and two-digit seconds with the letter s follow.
11h04
